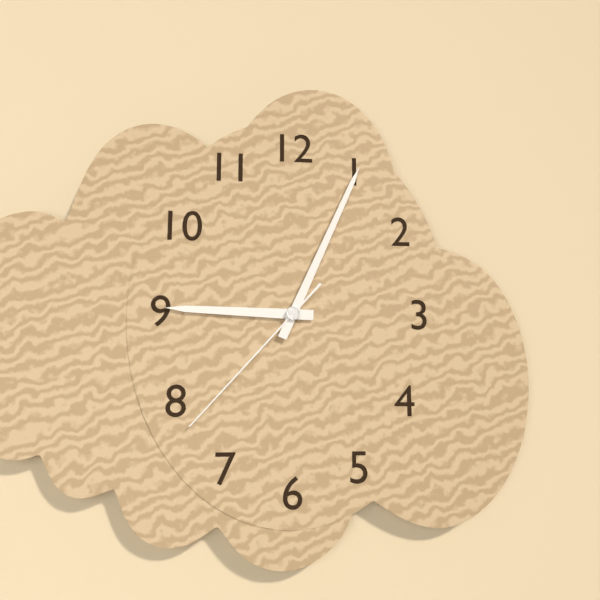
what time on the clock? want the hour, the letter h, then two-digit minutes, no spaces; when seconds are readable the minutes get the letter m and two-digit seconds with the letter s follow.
9h04m37s
